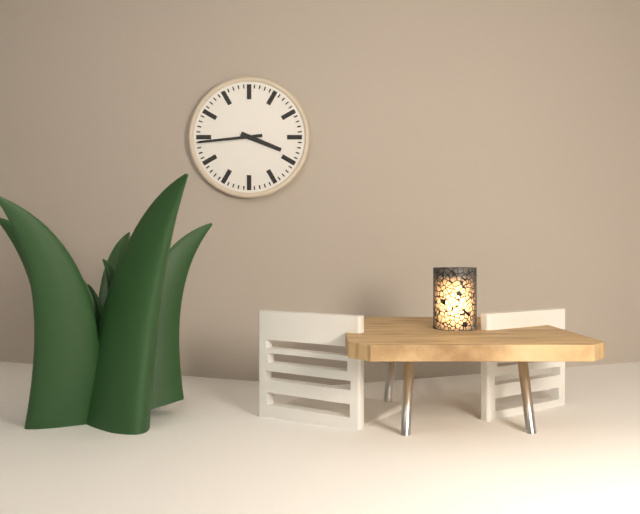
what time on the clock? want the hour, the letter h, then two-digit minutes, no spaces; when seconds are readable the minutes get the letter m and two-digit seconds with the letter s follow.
3h44
